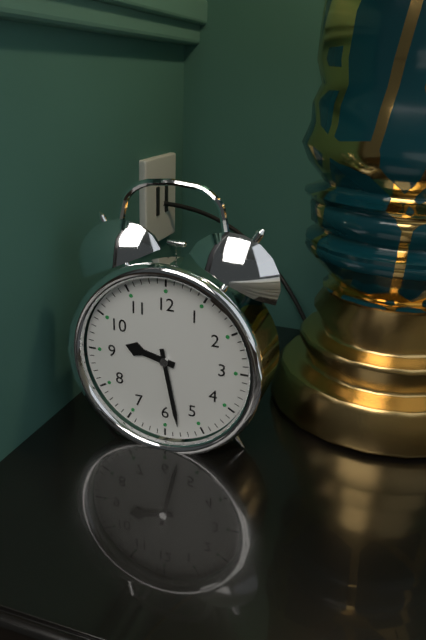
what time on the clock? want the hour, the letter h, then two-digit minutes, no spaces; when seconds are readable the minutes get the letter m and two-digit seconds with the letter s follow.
9h28
